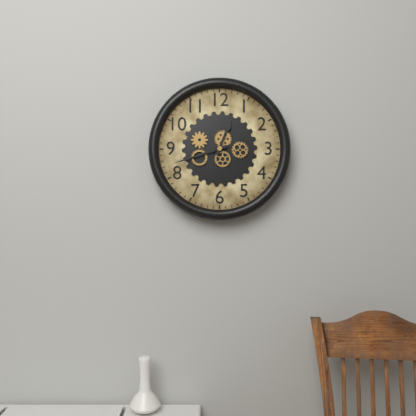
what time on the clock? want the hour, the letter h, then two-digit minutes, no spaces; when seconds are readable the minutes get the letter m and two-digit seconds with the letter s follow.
12h42
